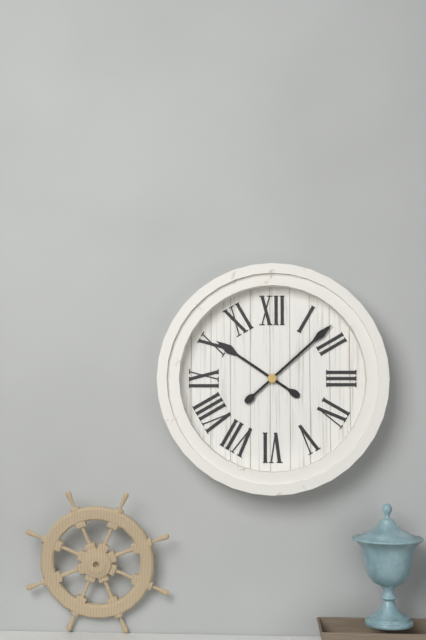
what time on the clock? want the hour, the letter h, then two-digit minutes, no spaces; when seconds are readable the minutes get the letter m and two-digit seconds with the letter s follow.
10h08
